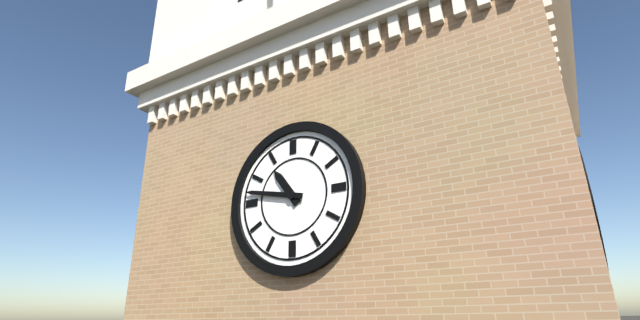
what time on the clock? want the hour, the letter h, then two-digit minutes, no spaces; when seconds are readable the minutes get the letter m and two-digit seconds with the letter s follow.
10h47
